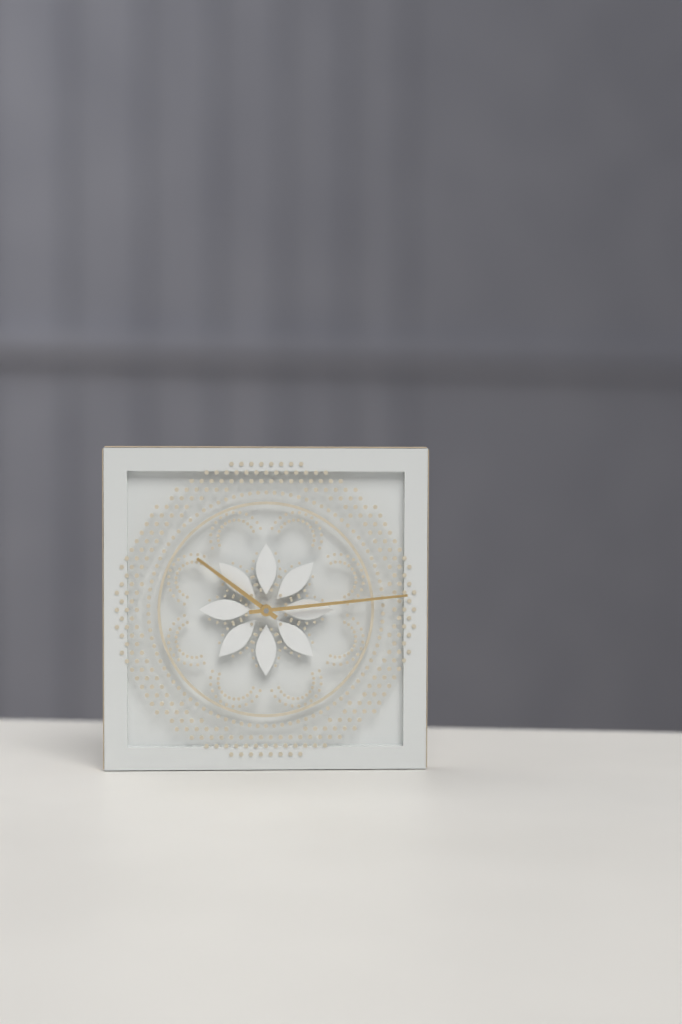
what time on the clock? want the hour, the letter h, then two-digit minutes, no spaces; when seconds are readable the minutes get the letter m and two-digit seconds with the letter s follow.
10h14
